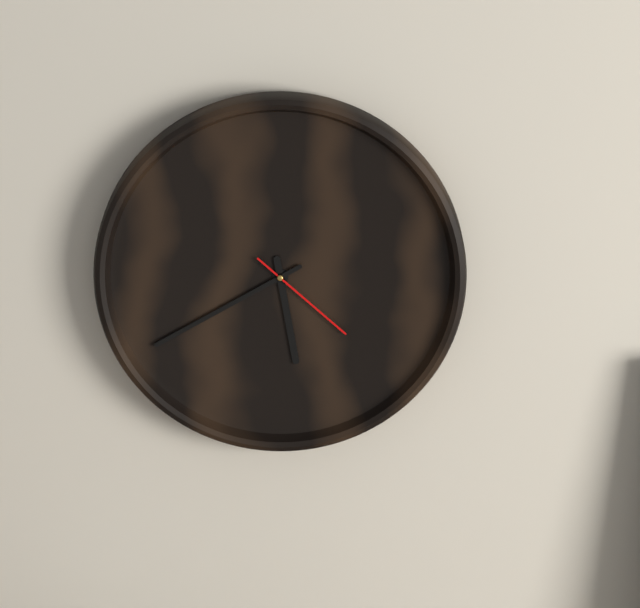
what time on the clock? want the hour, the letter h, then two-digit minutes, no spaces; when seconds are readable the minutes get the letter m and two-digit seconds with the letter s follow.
5h40m22s
